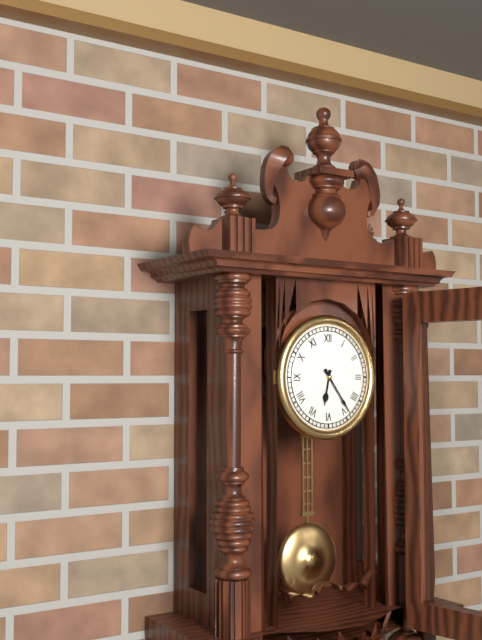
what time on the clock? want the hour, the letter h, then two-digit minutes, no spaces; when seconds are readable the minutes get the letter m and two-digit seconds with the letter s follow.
6h24
